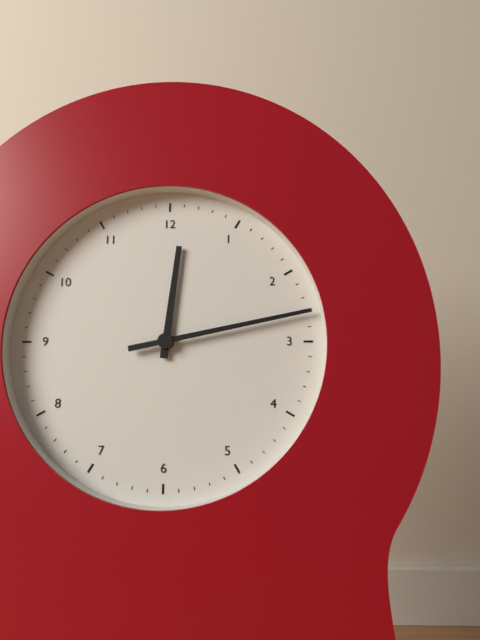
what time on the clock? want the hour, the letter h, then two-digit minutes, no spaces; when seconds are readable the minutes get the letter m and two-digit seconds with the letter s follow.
12h13
